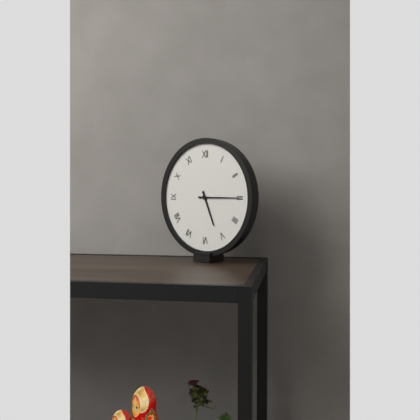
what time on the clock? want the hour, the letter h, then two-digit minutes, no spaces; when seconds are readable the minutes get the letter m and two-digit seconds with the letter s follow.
5h15
